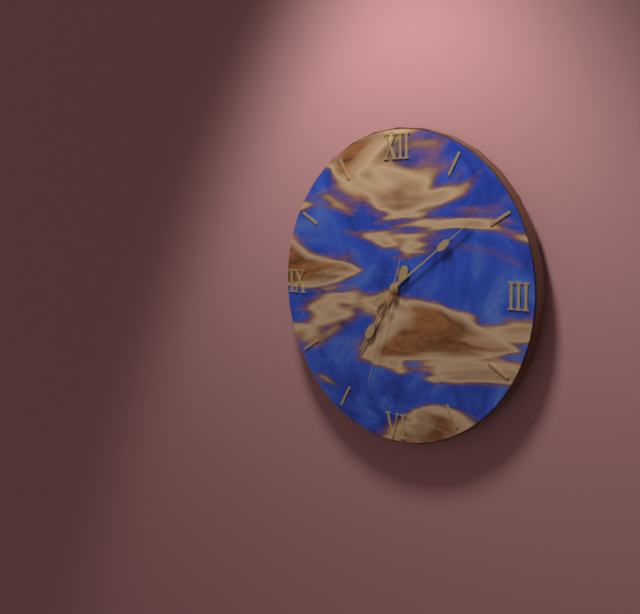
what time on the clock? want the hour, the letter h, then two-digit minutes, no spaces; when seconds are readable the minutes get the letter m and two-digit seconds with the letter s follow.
7h09m33s
